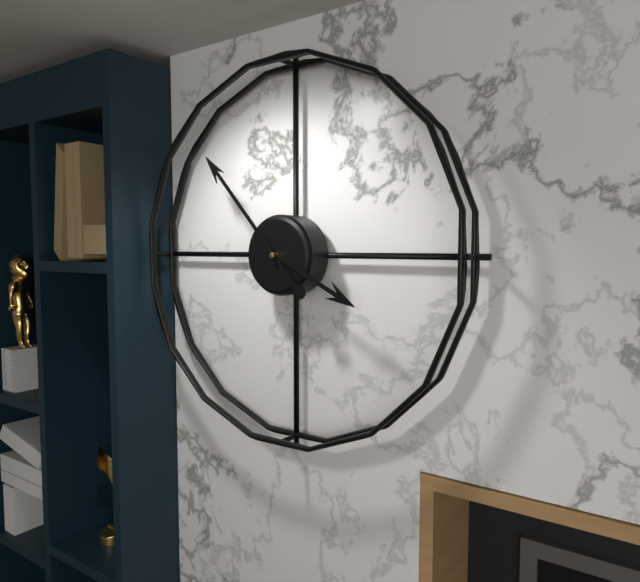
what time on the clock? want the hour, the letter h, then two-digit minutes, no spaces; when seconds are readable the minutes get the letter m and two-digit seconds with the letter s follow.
3h53
